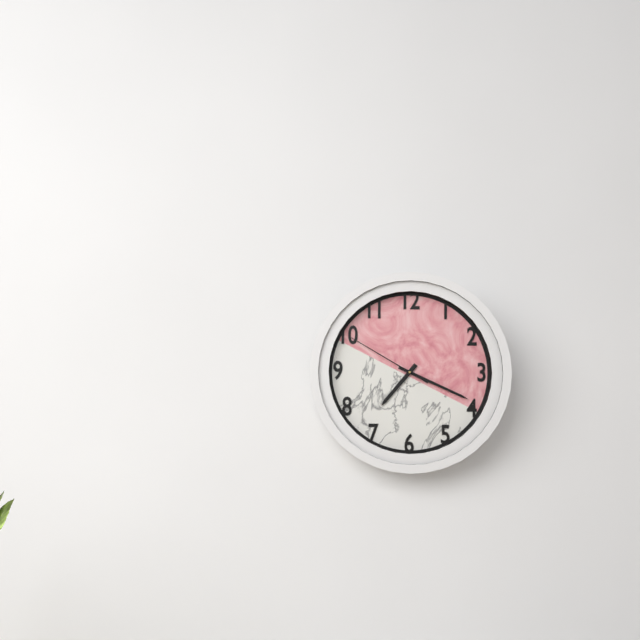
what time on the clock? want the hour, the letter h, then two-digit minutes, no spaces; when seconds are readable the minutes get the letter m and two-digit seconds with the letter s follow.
7h19m50s
